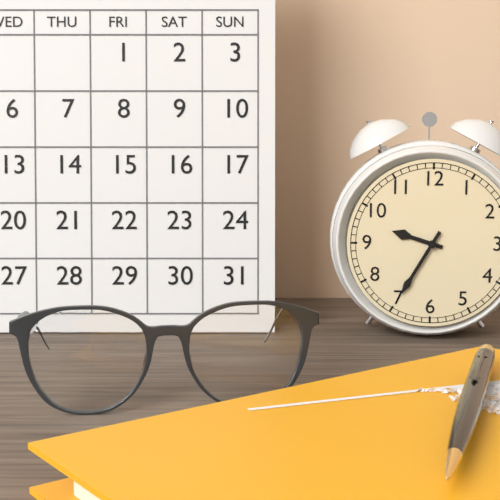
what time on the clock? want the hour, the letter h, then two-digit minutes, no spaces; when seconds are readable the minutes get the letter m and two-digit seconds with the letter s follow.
9h35
